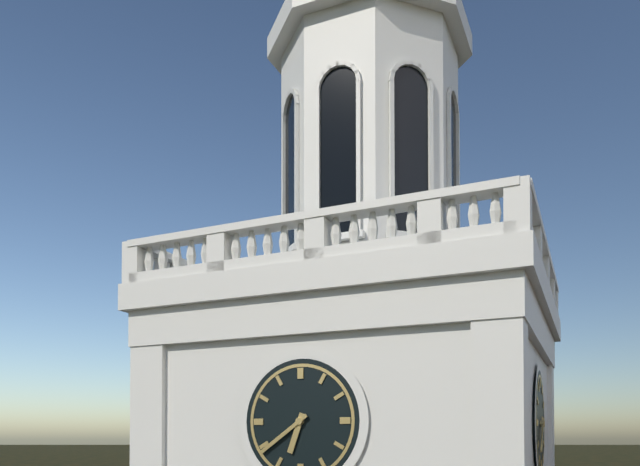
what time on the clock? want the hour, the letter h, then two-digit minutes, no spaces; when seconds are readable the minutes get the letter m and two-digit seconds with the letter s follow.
6h39
